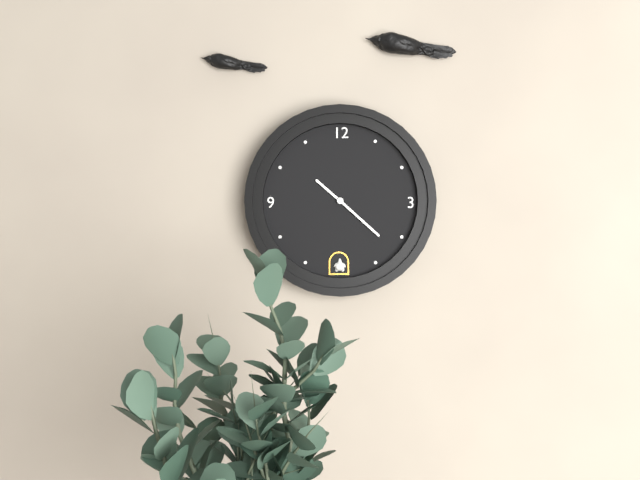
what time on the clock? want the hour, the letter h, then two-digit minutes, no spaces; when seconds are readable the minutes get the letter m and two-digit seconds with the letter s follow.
10h22
